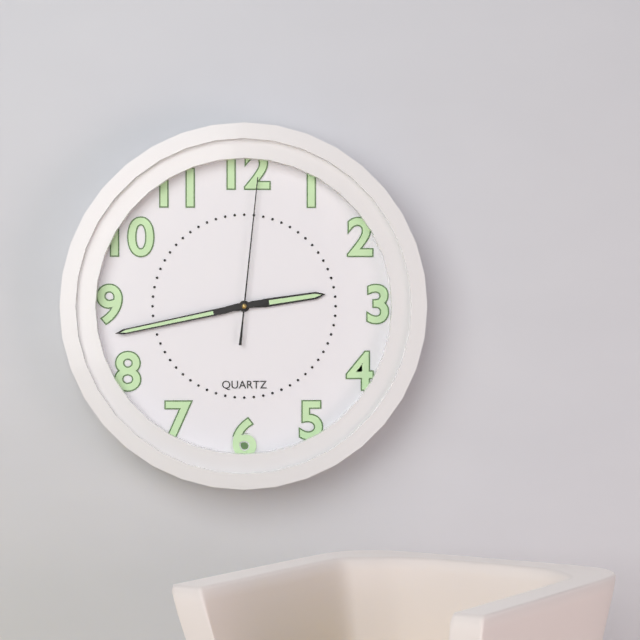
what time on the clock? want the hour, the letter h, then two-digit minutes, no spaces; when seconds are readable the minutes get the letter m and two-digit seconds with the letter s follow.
2h43m01s
